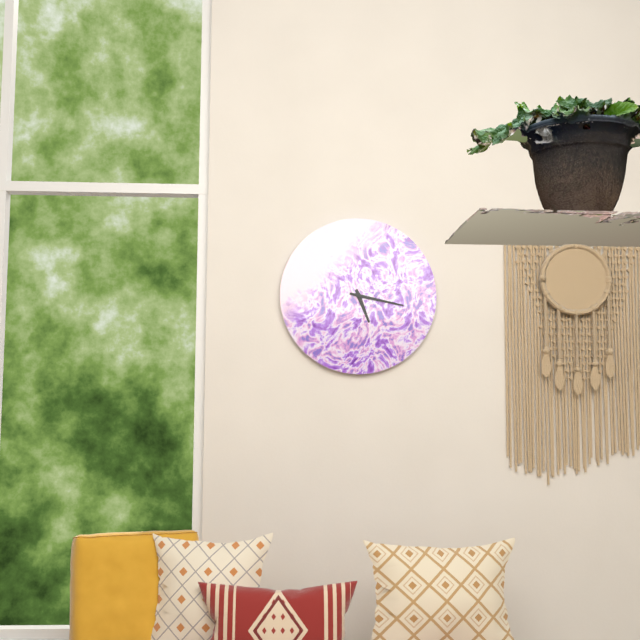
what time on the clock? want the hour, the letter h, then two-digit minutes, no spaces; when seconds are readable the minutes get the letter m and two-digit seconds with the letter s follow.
5h17
